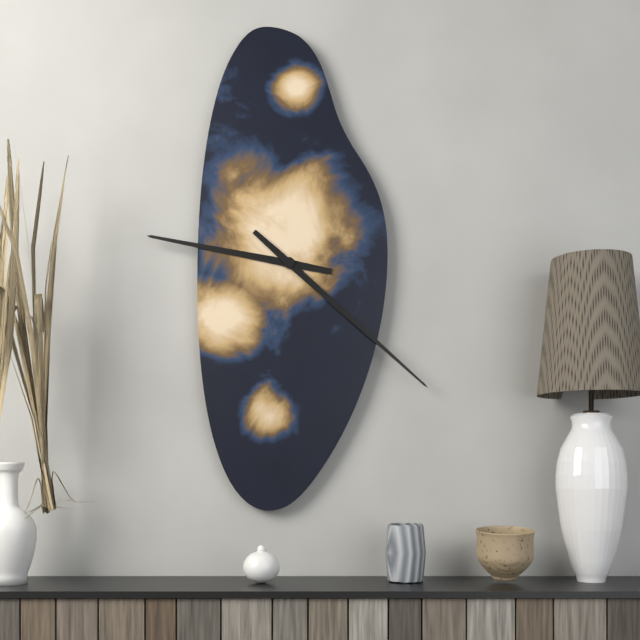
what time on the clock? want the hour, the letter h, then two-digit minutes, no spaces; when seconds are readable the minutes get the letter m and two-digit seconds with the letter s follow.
9h22
